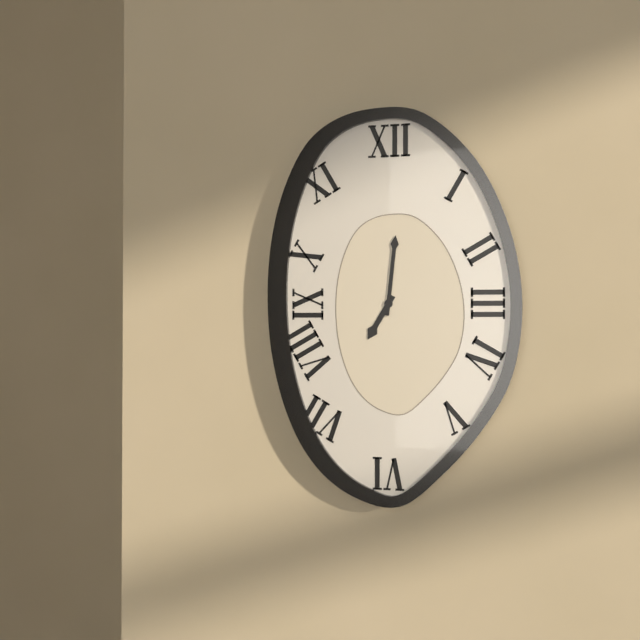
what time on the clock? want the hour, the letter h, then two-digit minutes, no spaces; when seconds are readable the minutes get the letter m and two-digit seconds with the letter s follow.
7h01
